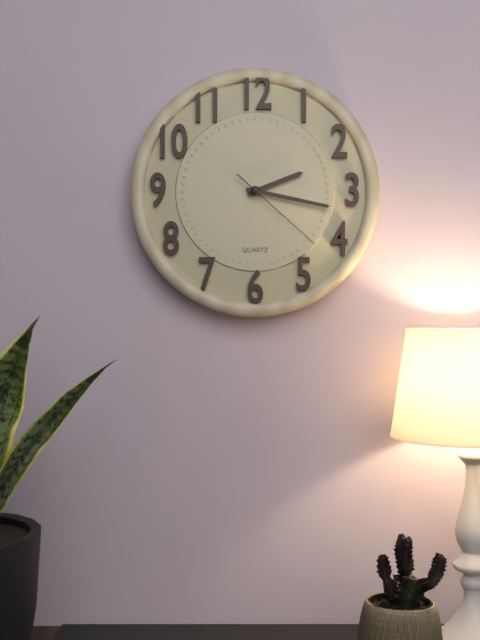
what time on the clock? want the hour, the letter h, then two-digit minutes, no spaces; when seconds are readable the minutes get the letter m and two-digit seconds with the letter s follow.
2h17m22s
